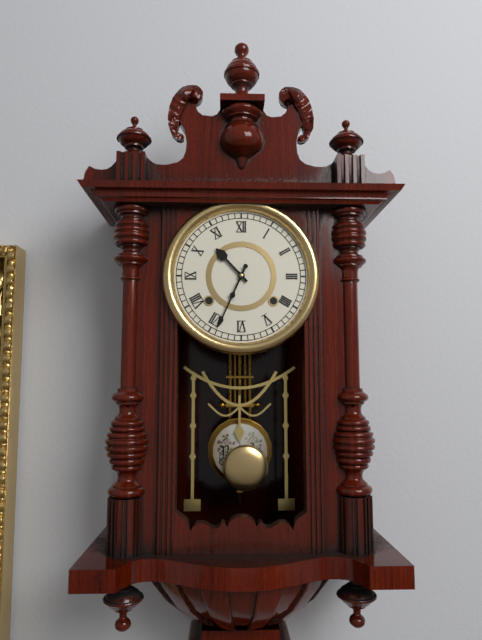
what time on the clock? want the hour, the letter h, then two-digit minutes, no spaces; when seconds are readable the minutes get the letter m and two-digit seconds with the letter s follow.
10h34
